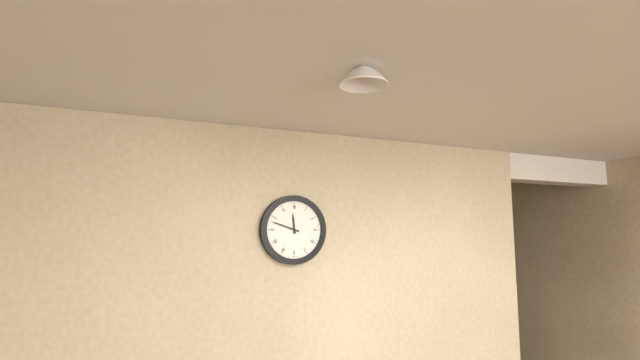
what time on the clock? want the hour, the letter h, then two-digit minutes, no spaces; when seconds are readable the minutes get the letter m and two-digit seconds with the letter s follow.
11h48
